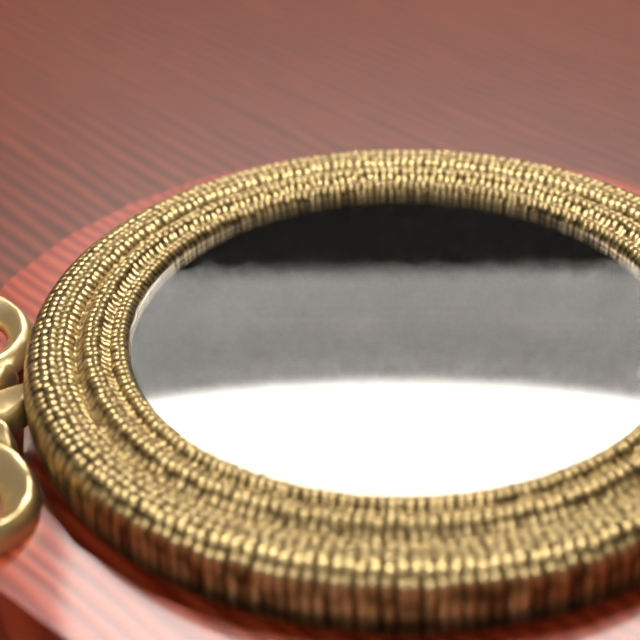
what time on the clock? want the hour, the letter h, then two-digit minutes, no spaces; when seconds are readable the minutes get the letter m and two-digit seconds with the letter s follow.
10h19m38s
